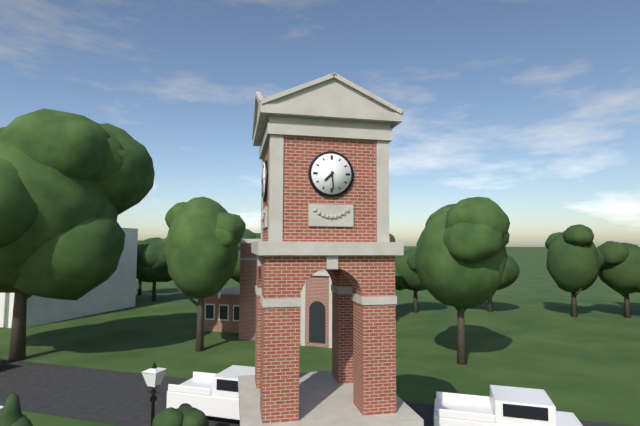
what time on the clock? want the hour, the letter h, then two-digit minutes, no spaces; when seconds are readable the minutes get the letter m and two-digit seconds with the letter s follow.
7h29
